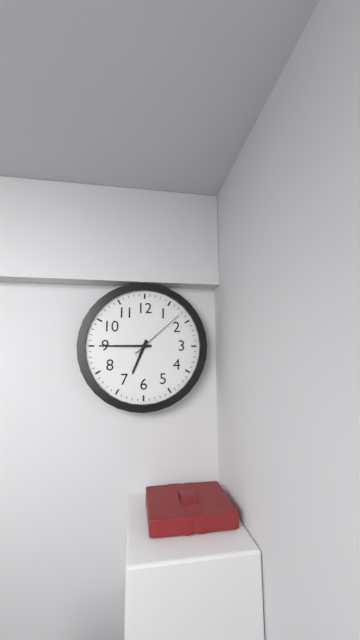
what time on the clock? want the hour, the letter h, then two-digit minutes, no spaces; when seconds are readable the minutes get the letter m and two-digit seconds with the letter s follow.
6h45m08s
